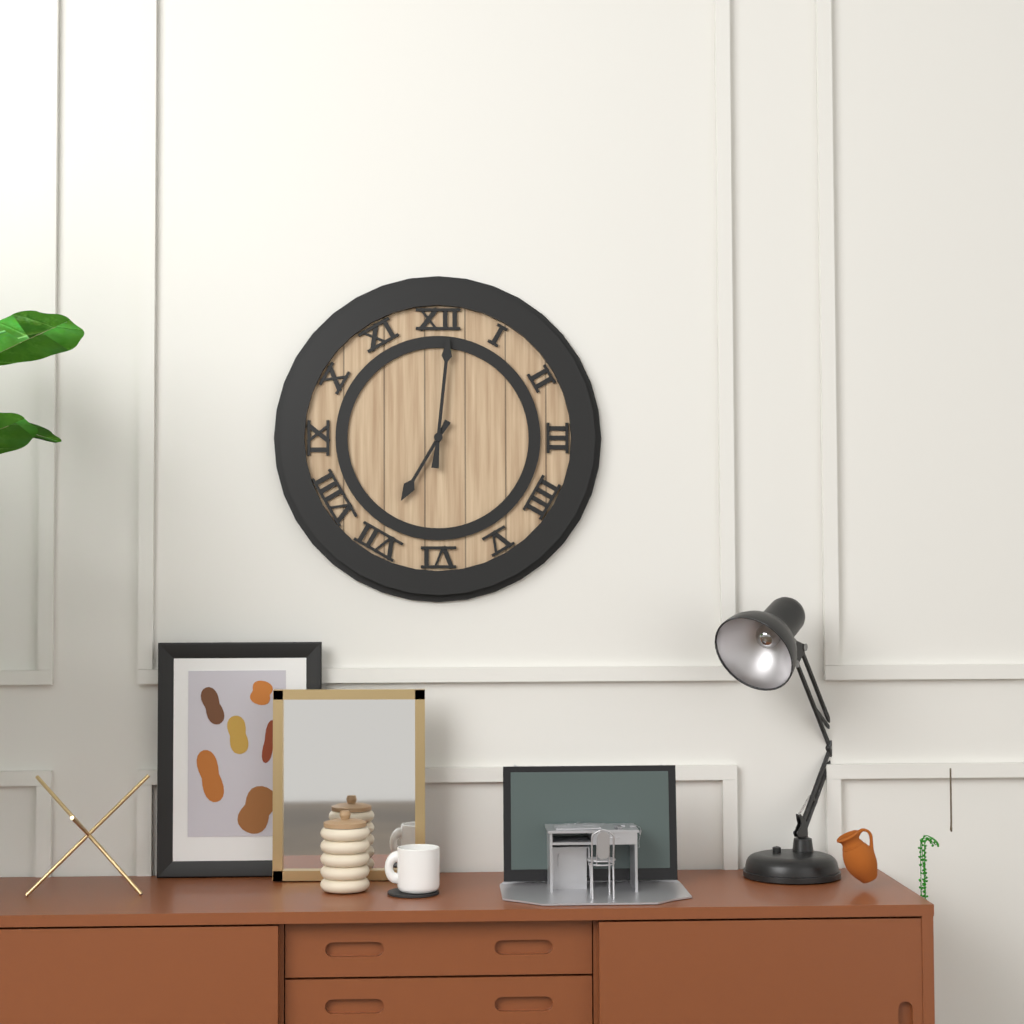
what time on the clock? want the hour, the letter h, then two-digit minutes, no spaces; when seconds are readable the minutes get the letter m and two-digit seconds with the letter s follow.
7h01
